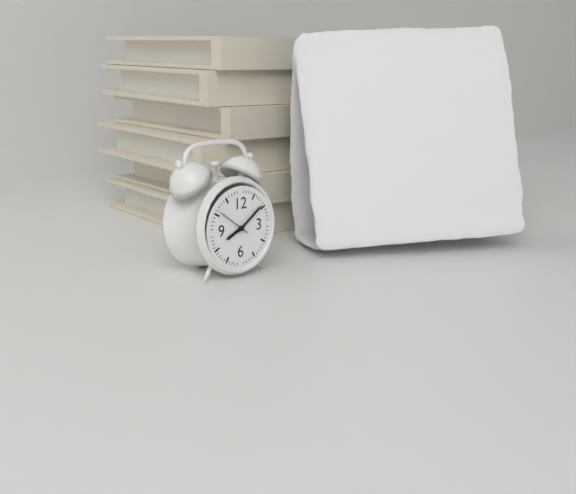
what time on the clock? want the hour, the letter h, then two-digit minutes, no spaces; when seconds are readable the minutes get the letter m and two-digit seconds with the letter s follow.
8h09
